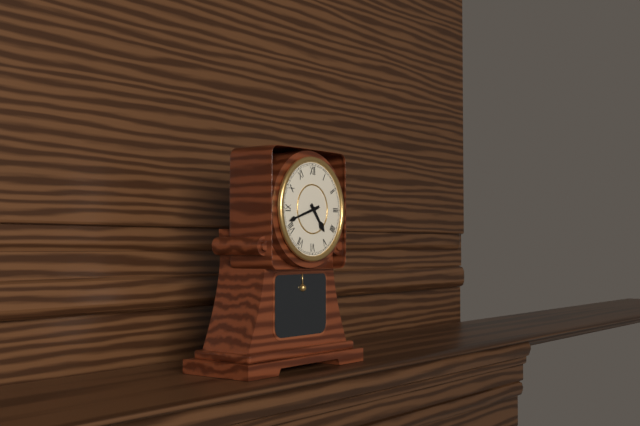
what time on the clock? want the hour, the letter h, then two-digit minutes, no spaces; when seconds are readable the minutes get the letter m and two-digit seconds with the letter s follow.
4h42
